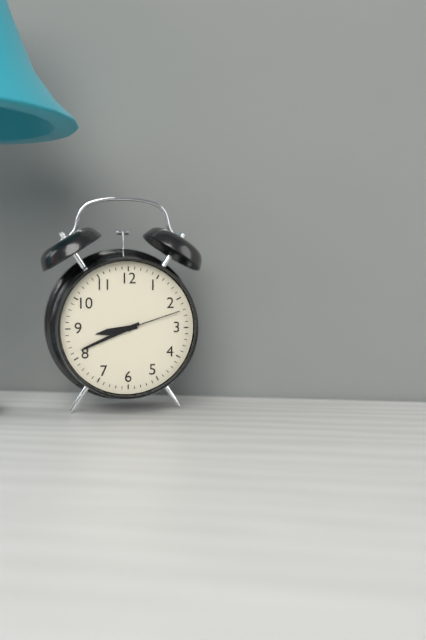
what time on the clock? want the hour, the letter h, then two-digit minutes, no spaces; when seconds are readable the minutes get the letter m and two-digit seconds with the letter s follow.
8h41m12s
